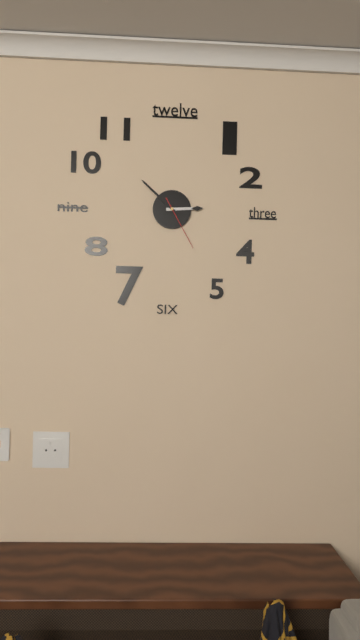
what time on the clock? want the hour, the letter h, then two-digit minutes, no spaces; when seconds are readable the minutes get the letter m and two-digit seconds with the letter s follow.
2h52m25s
